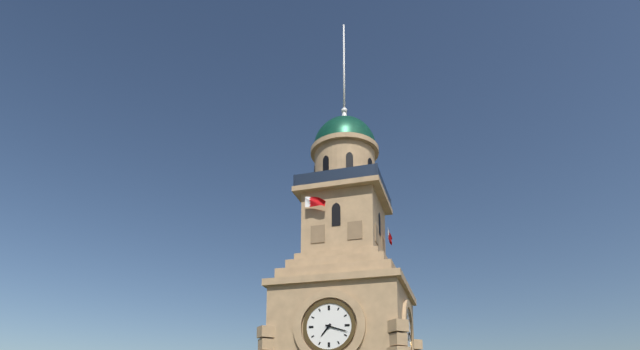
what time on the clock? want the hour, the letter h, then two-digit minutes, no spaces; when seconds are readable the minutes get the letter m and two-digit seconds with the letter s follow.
7h18
